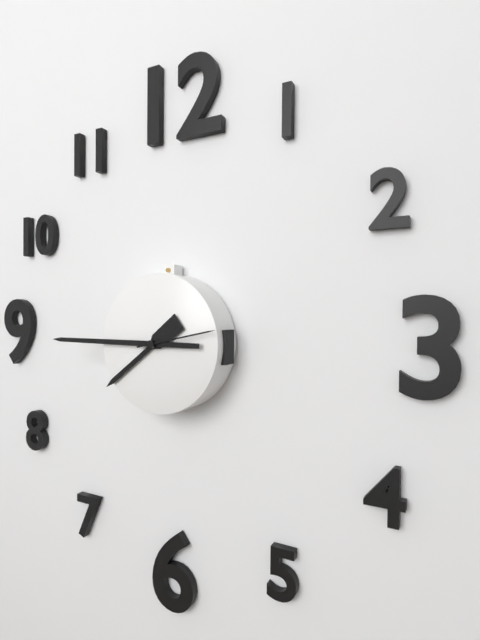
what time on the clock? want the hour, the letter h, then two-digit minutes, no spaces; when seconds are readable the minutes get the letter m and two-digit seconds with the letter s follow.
7h45
